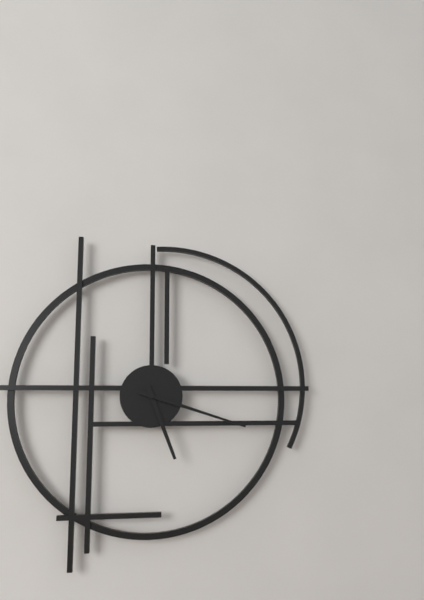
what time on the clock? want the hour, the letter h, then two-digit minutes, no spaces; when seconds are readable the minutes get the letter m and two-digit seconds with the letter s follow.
5h18
